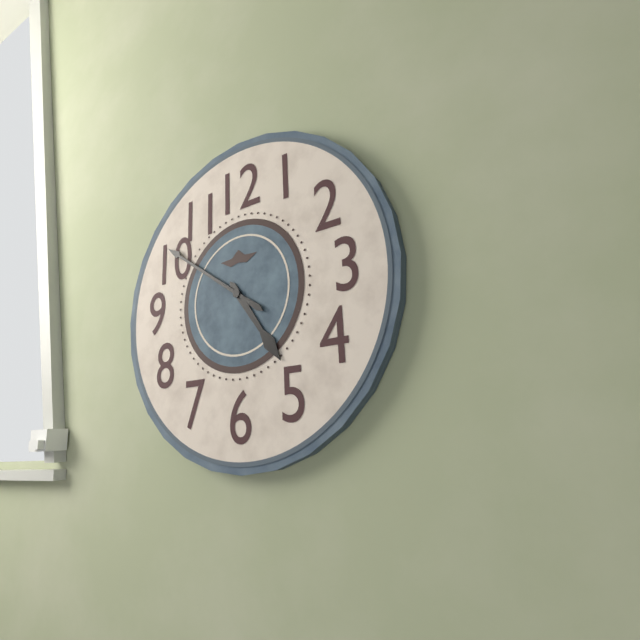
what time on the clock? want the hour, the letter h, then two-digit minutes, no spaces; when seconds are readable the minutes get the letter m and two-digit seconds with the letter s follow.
4h51
